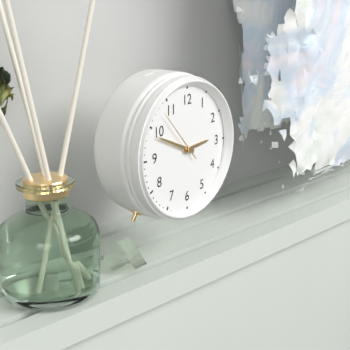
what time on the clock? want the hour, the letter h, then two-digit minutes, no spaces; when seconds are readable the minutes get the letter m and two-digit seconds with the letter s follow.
2h49m53s
